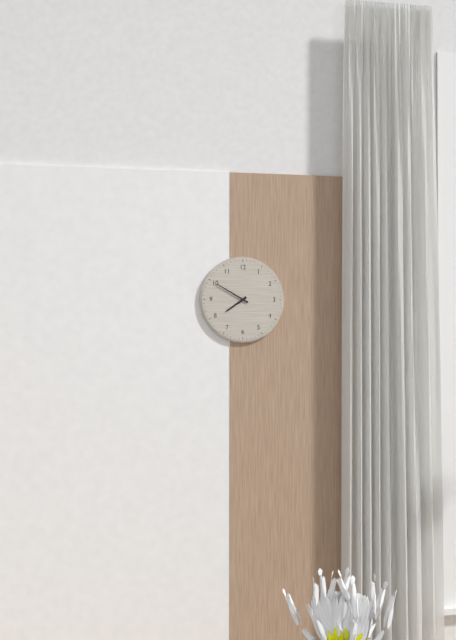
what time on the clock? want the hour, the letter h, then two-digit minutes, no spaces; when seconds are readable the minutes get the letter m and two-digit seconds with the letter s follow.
7h50
